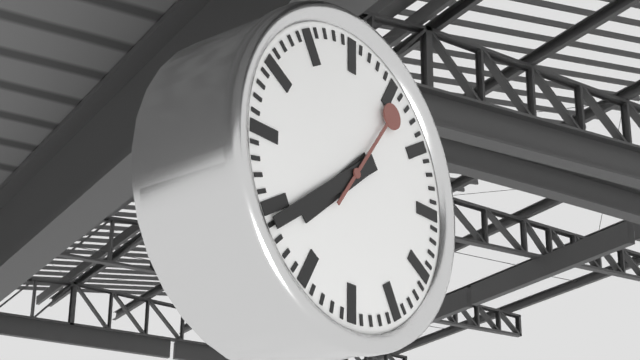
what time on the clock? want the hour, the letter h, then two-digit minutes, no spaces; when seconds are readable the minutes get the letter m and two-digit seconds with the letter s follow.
7h39m06s
